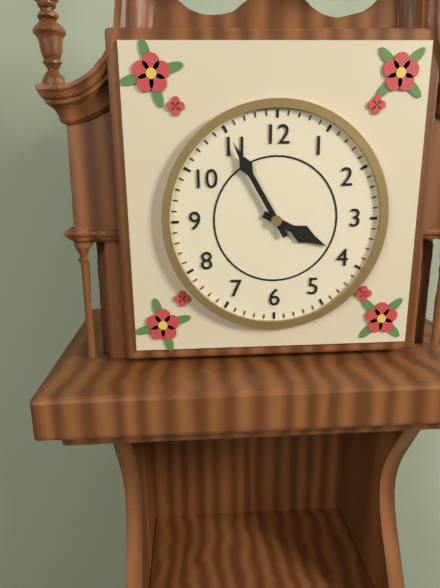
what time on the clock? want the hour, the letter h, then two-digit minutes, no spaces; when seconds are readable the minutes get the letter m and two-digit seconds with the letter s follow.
3h55
